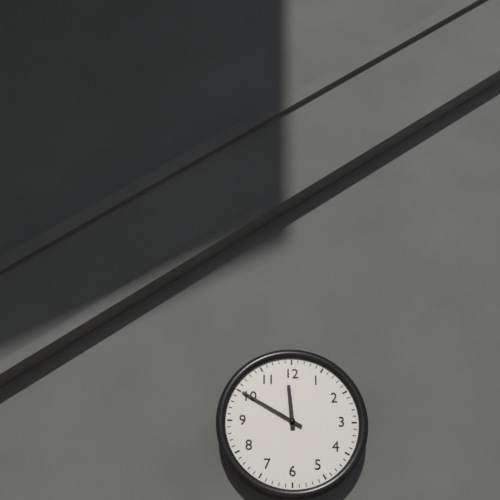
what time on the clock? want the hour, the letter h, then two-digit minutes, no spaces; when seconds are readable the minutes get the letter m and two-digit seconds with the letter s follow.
11h50
